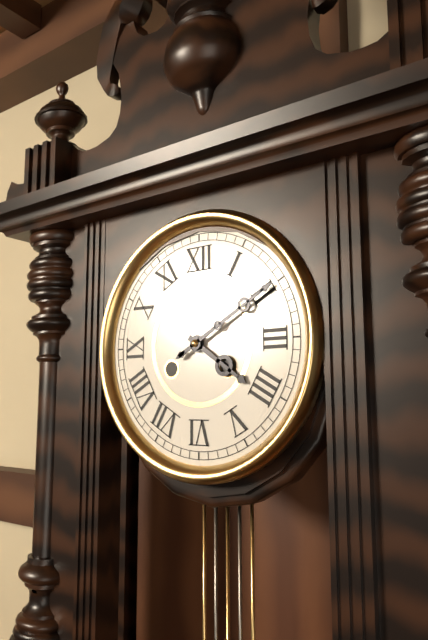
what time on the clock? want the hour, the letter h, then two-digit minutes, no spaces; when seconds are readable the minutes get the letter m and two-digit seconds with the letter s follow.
4h10
